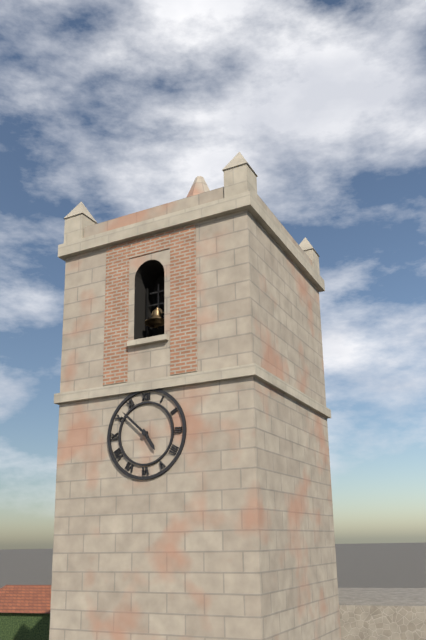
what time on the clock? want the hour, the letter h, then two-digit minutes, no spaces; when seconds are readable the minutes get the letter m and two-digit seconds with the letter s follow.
4h52
